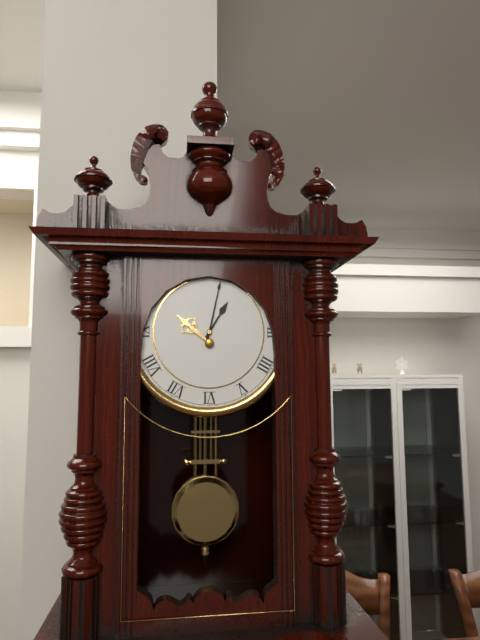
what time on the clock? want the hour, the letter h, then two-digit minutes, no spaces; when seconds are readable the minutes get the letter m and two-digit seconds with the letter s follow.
1h02
